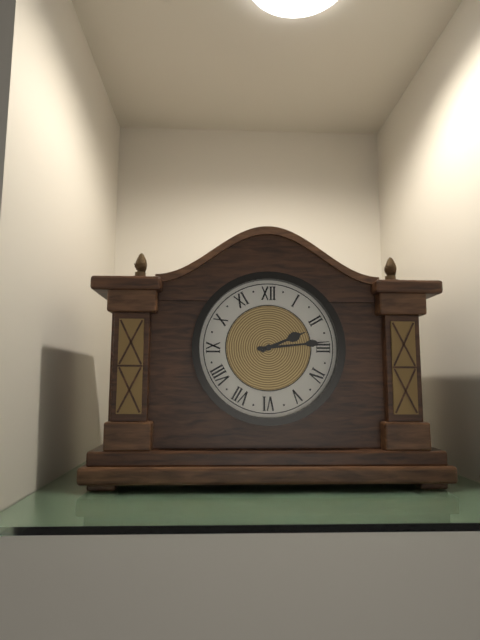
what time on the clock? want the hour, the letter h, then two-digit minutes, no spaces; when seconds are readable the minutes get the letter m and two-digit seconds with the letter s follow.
2h14
